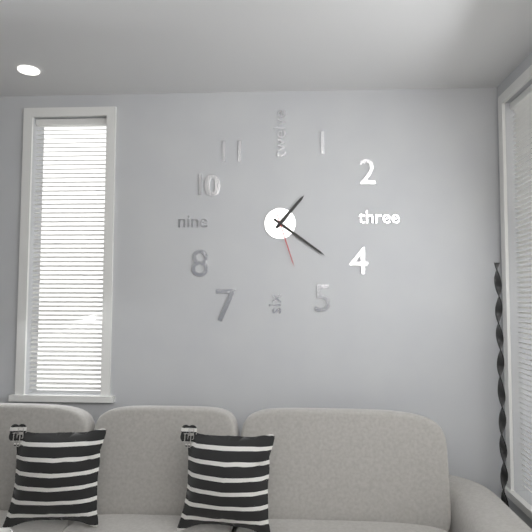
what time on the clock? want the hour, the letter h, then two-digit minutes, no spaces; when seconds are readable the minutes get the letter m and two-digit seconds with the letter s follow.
1h21m27s
